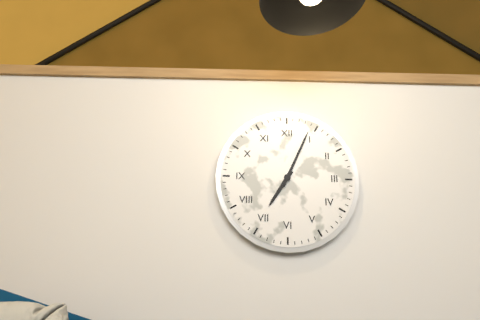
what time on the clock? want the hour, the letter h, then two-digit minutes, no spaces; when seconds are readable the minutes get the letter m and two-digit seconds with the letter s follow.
7h04
